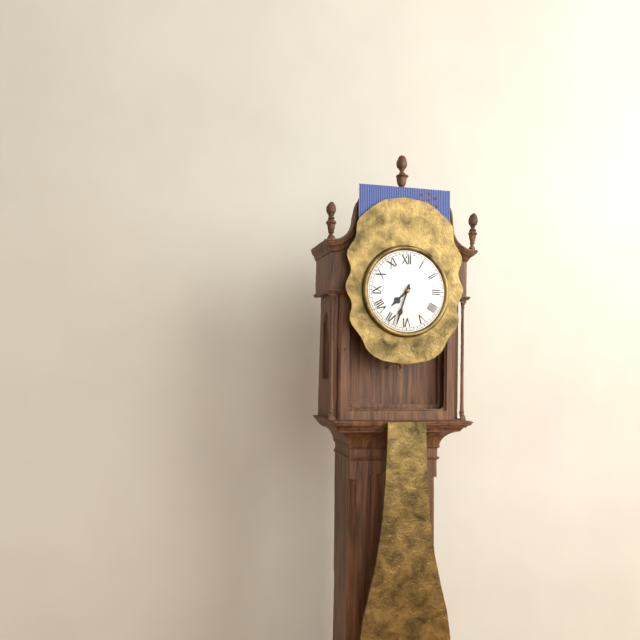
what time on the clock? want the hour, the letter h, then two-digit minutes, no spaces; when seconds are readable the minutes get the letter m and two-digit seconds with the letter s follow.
7h33
